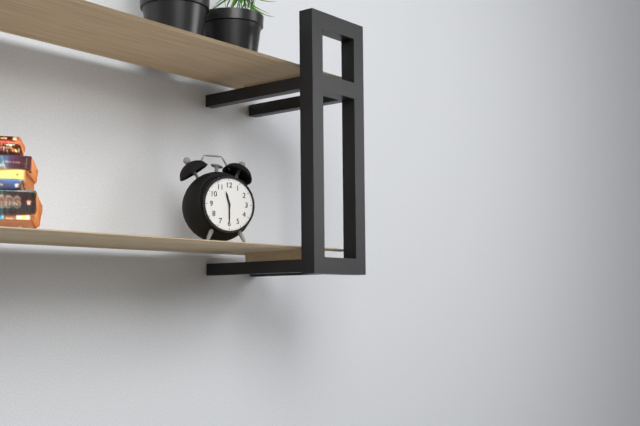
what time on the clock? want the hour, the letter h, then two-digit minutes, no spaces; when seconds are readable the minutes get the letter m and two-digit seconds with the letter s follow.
11h30
